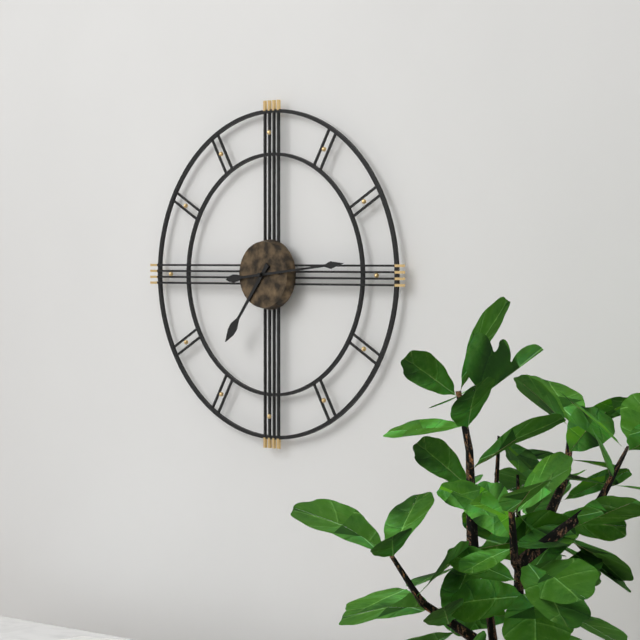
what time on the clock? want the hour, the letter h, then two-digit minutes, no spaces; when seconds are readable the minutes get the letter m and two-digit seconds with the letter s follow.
7h14
